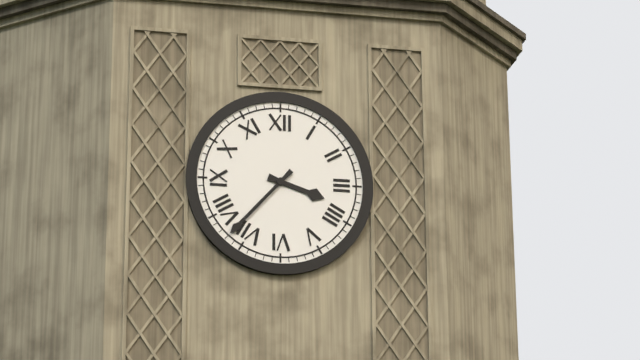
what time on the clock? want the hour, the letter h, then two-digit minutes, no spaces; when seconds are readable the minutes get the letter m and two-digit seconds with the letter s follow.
3h37
